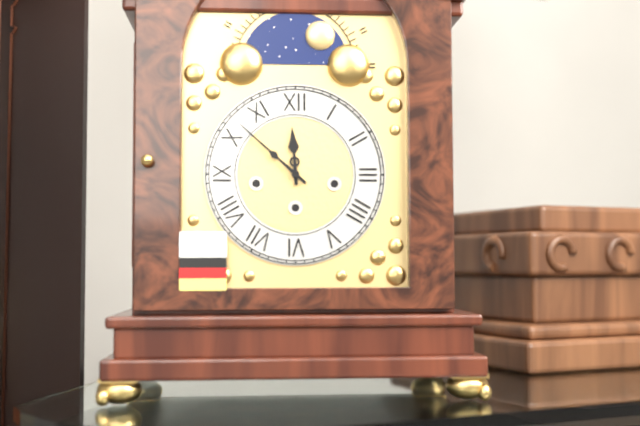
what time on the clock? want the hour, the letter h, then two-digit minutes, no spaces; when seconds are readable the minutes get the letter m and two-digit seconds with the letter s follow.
11h52
